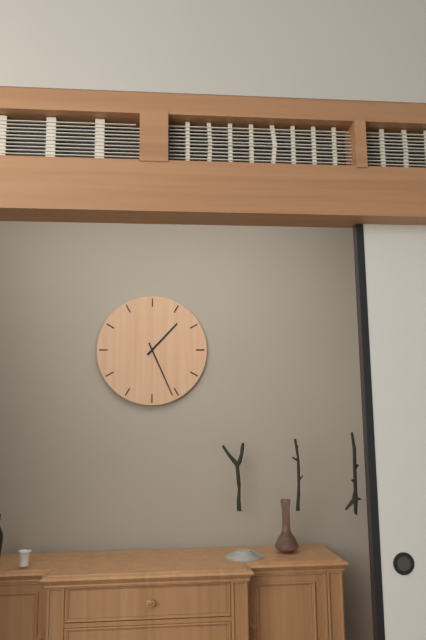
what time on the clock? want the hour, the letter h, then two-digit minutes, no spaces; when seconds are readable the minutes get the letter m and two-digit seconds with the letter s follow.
1h26
